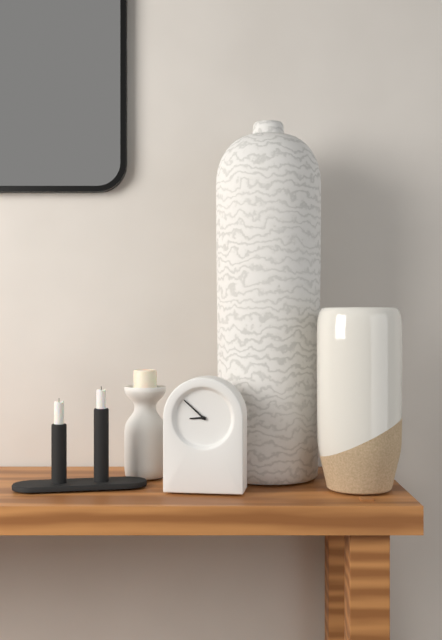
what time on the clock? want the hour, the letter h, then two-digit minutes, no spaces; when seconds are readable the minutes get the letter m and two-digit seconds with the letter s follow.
8h52
